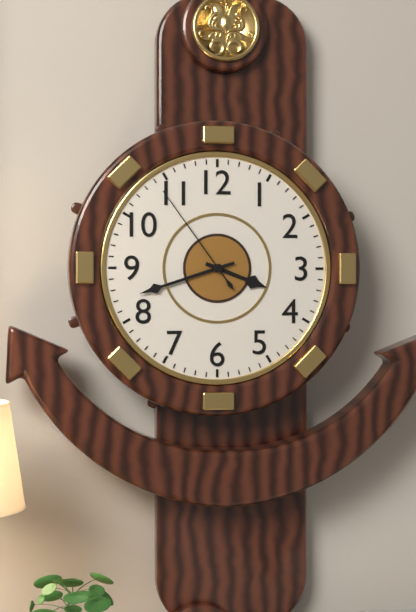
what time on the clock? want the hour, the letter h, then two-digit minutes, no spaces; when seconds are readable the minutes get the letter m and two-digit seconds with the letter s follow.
3h42m54s
